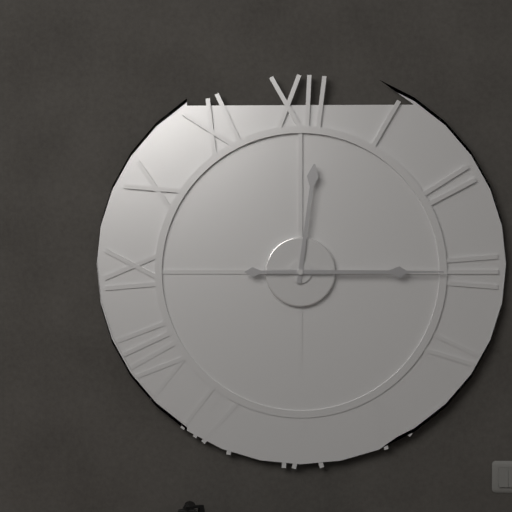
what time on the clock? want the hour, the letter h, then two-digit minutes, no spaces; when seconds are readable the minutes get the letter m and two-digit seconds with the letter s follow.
12h15
